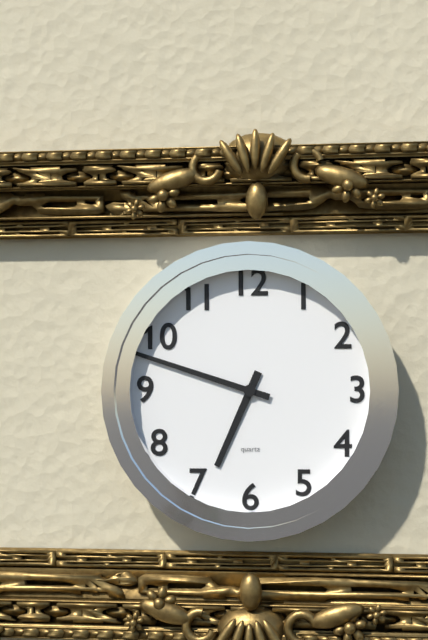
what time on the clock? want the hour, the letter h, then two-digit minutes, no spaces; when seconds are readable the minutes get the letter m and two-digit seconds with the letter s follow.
6h48
